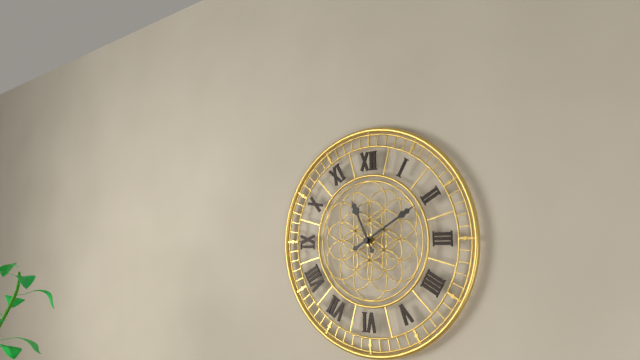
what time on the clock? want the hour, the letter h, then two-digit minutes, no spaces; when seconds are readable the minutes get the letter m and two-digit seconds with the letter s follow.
11h10
